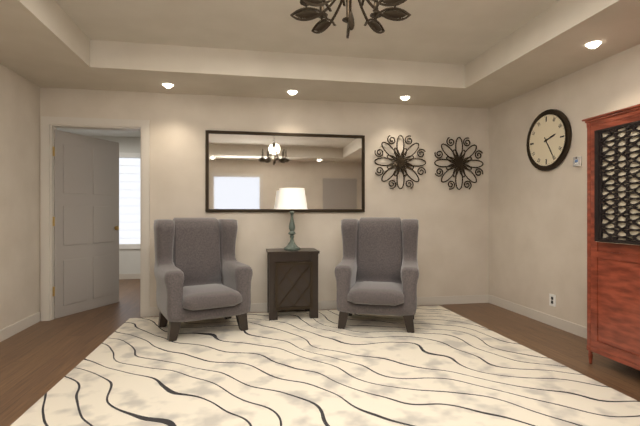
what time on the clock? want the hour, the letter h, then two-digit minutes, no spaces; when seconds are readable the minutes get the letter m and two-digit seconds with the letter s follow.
2h25
